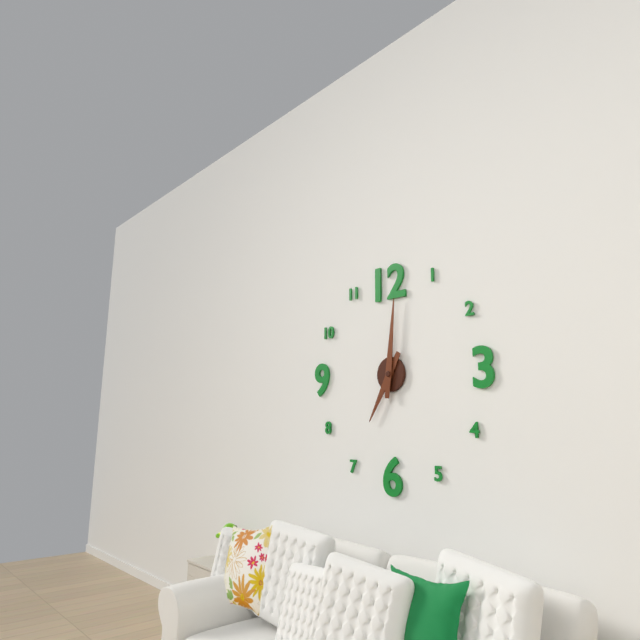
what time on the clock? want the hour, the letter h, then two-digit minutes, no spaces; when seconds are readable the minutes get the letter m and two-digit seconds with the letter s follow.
7h01
